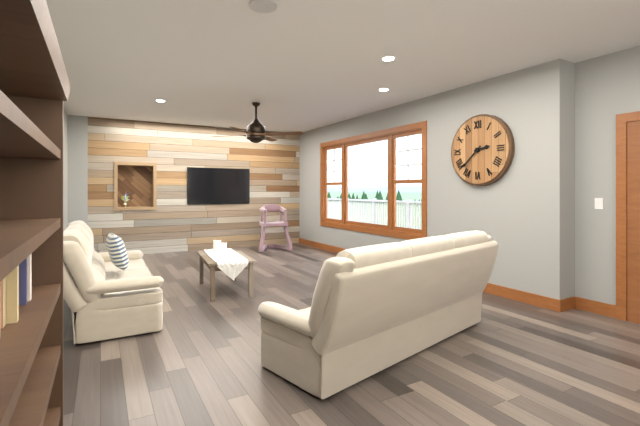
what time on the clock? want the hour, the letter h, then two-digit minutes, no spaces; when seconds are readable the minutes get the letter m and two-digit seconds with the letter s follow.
2h38
